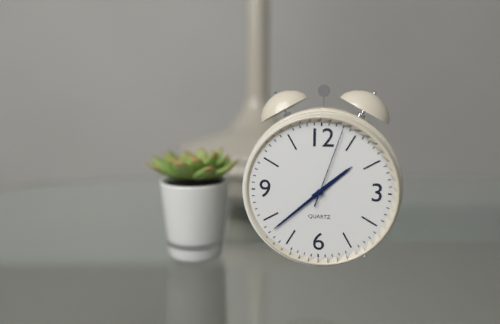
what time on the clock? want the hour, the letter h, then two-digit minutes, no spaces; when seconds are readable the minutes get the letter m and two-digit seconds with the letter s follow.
1h38m03s
